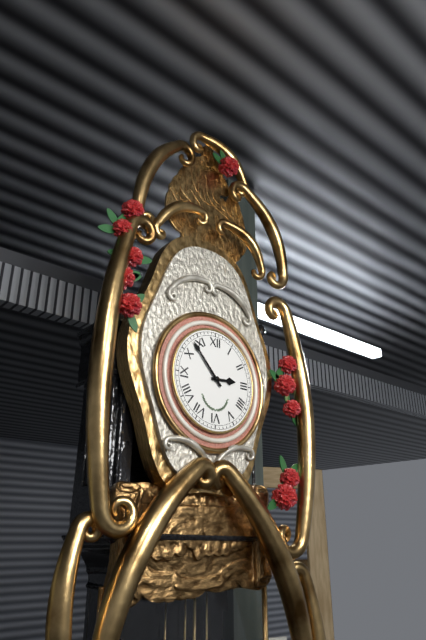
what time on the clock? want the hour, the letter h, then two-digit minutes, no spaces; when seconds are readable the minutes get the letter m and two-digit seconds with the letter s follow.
2h53
